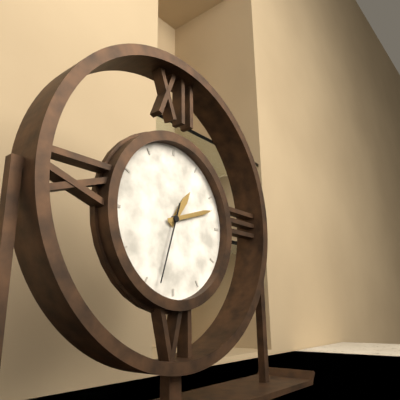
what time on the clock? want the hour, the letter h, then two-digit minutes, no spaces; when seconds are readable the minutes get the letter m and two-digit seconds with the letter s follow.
1h12m33s
